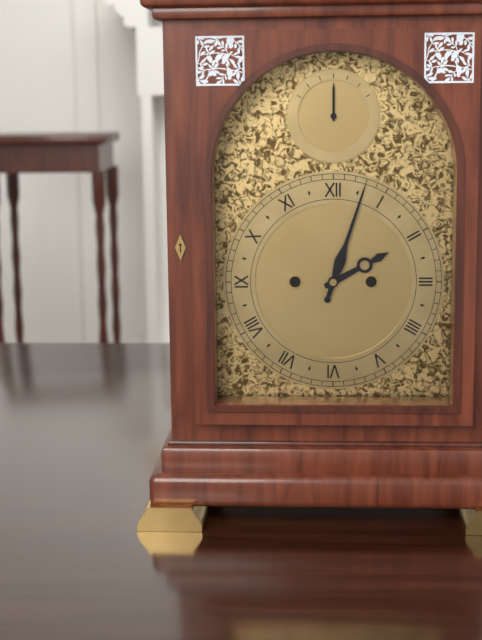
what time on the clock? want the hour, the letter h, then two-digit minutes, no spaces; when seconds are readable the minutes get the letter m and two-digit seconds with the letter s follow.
2h03
